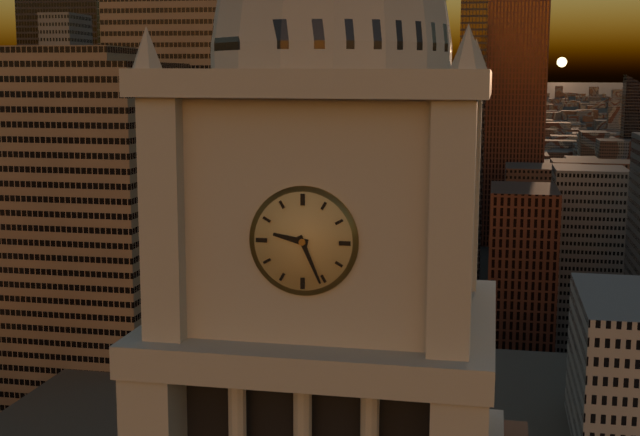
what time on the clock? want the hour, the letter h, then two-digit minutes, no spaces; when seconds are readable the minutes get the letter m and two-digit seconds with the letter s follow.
9h26
